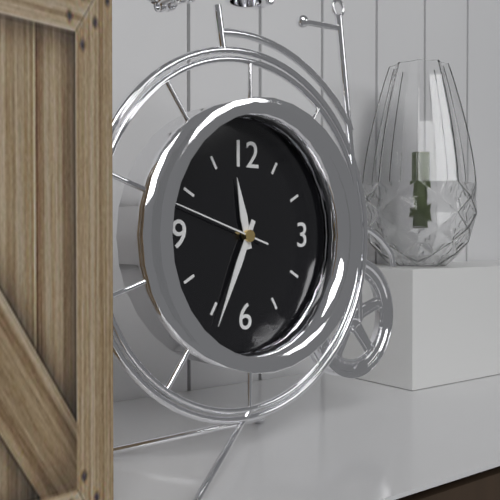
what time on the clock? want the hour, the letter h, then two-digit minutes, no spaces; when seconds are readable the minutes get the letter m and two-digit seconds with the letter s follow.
11h34m48s
